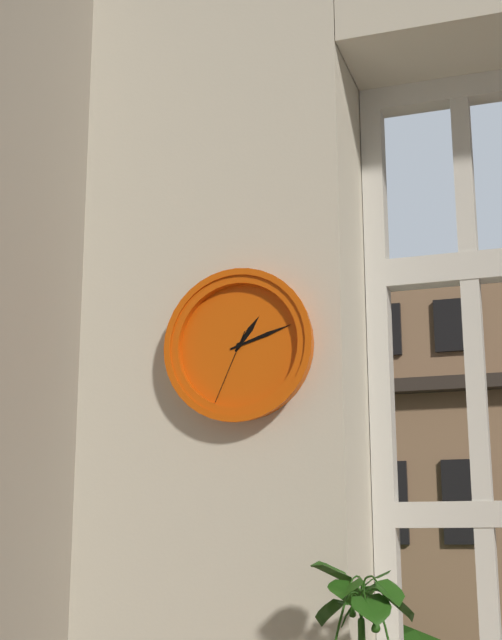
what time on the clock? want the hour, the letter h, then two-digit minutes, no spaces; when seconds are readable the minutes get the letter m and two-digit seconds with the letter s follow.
1h12m34s
